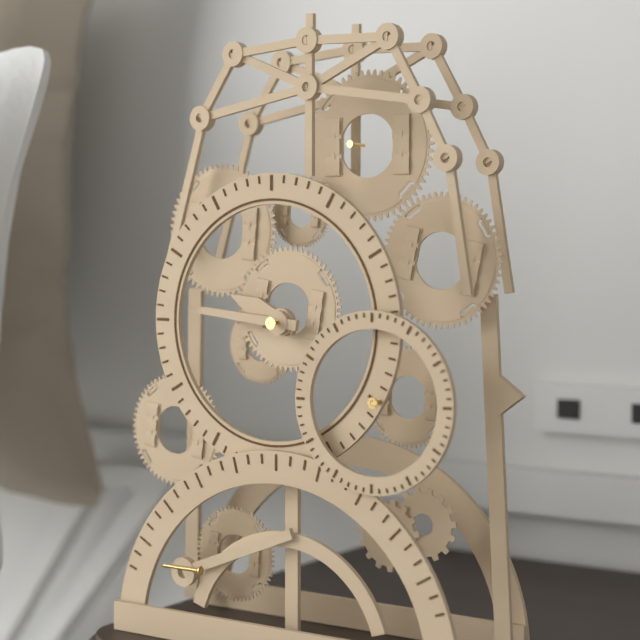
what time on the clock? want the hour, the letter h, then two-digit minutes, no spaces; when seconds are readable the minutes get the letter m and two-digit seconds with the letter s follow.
9h46
